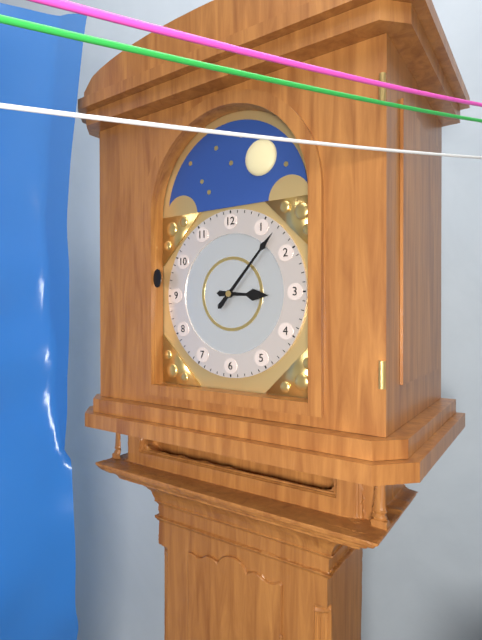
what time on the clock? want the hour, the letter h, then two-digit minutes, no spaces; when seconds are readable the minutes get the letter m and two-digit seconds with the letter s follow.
3h07
